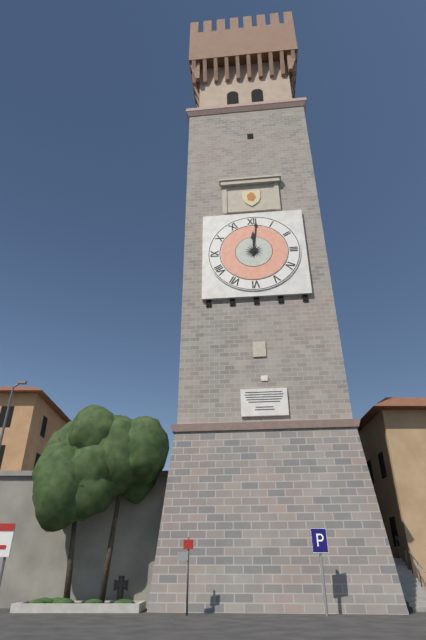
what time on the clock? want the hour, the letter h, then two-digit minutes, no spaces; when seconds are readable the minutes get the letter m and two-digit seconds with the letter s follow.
12h01
